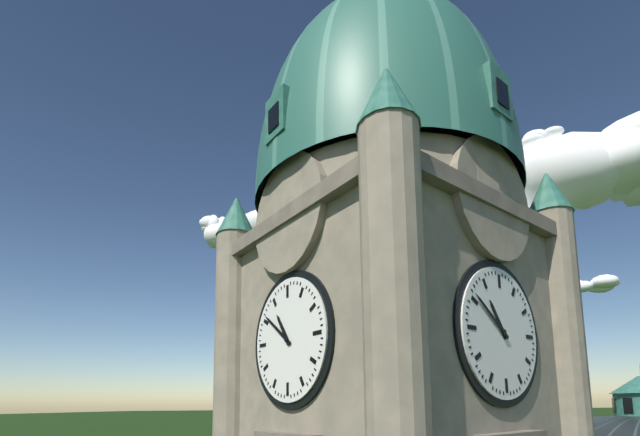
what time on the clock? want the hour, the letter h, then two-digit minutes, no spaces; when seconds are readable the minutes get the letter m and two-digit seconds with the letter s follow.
10h51
